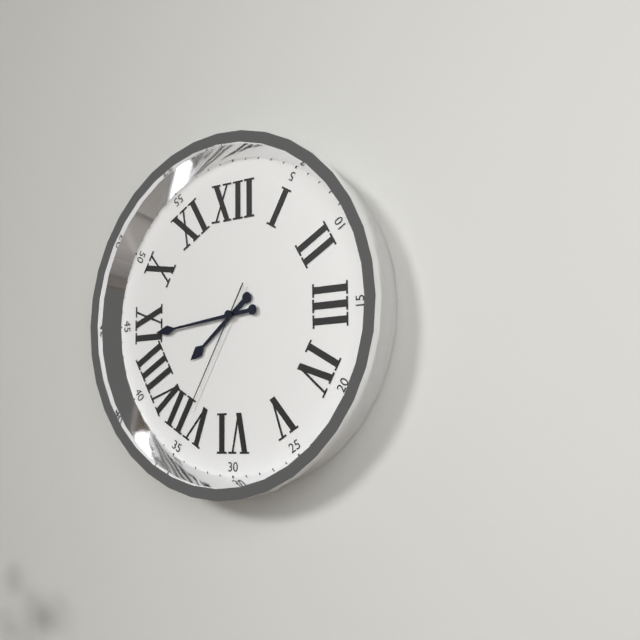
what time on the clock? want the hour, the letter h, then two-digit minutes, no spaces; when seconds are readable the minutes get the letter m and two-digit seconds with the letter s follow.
7h44m35s
